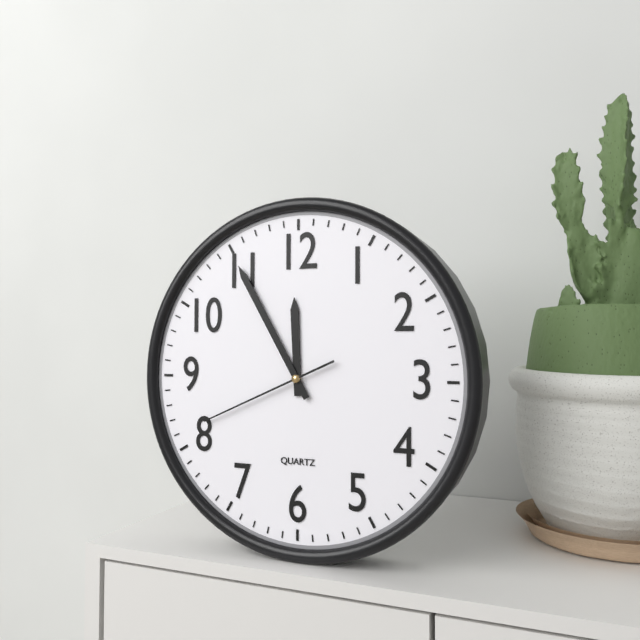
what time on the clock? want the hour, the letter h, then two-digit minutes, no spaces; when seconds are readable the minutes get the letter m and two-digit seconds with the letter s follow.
11h55m41s
